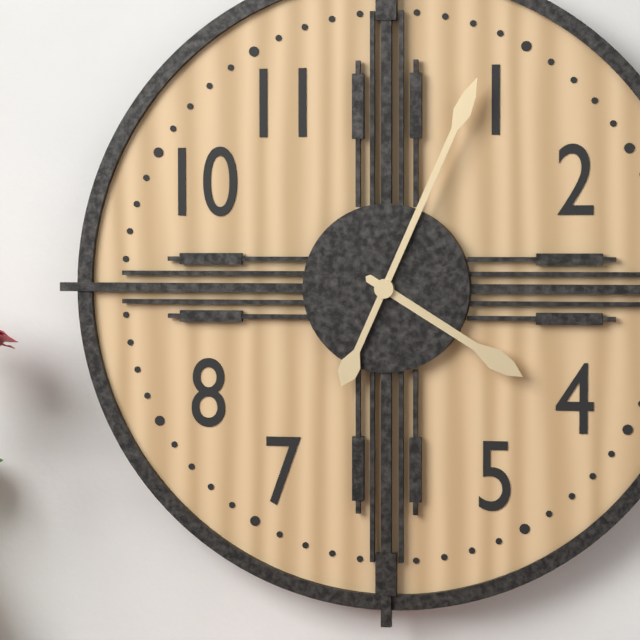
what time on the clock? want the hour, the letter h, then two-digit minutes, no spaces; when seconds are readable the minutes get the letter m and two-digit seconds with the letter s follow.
4h04
